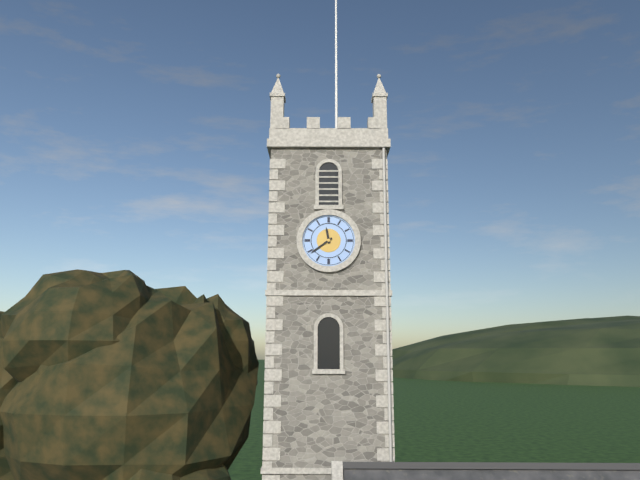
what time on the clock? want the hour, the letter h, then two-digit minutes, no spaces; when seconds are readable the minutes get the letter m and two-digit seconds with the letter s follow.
11h39
